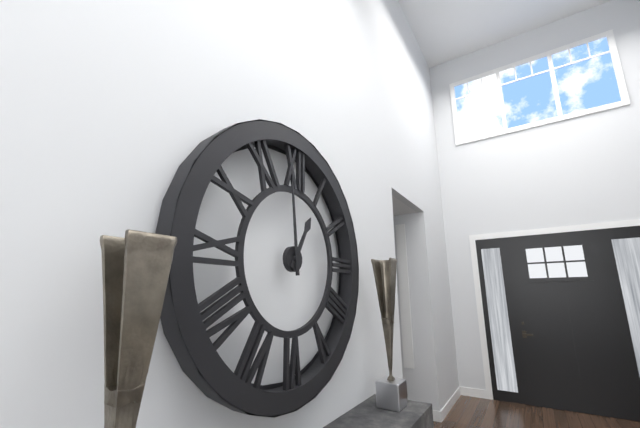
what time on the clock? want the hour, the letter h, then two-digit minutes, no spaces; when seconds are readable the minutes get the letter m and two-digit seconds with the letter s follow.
12h59
